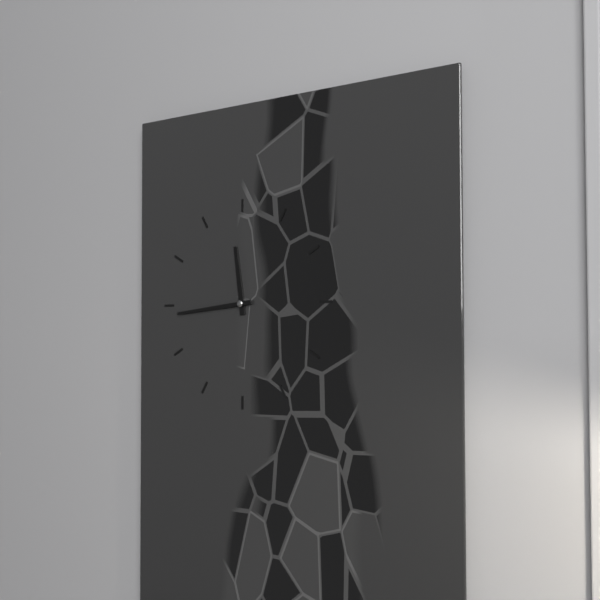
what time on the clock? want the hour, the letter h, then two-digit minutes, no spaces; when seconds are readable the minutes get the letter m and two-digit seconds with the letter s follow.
11h44
